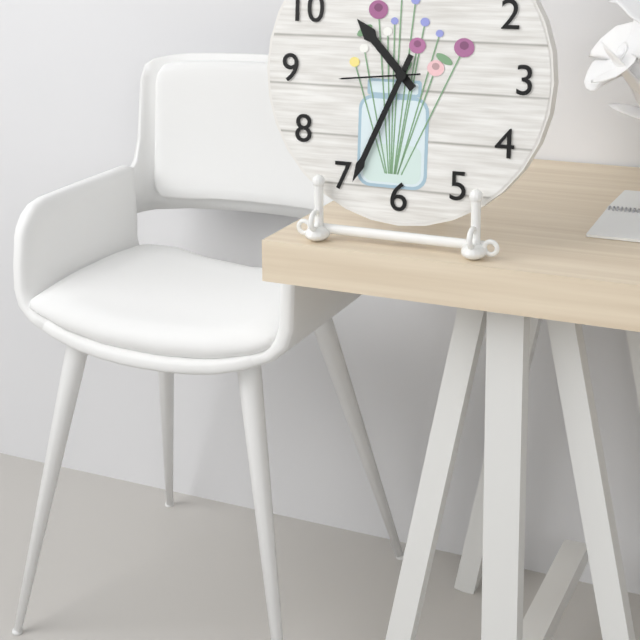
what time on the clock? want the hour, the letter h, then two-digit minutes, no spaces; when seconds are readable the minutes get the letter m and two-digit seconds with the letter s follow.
10h34m44s
